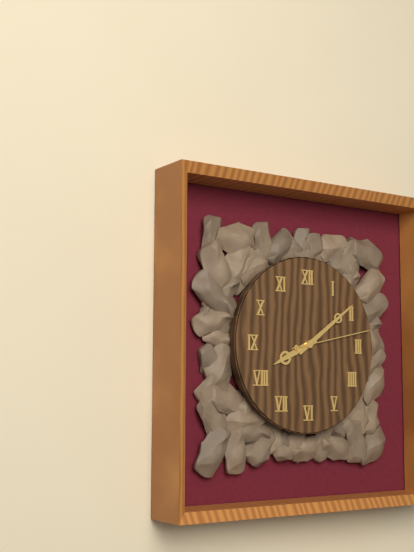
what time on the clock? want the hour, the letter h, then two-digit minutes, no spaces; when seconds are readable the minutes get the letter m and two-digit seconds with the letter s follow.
8h09m13s
